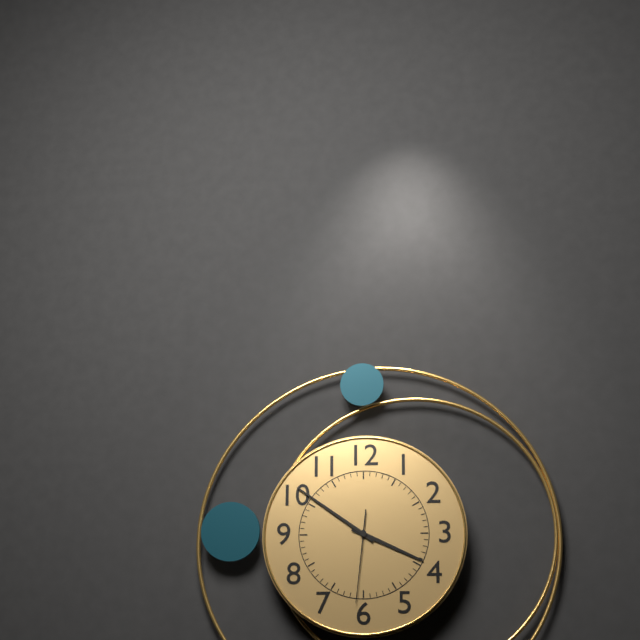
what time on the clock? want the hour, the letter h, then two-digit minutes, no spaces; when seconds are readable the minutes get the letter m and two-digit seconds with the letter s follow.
3h51m31s
